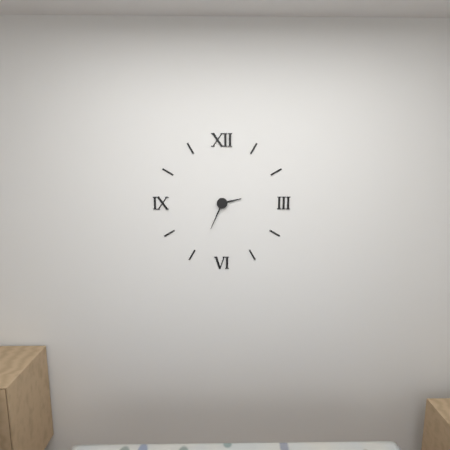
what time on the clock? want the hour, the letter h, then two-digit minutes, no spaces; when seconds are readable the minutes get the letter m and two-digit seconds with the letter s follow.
2h34
